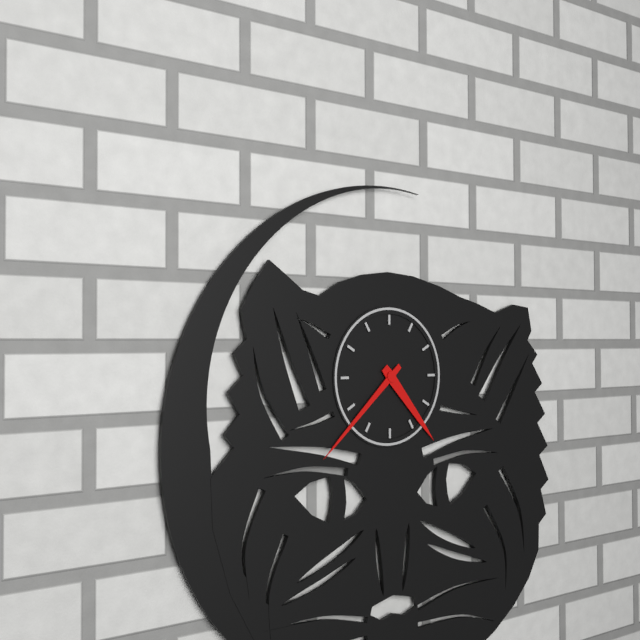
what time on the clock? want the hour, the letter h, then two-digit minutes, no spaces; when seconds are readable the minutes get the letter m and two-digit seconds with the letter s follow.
4h38
